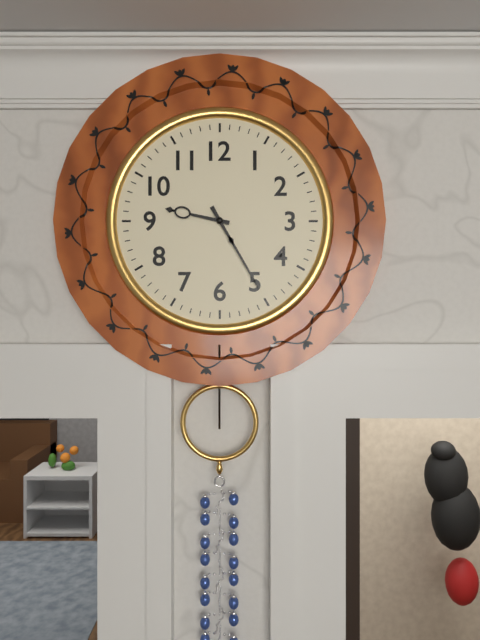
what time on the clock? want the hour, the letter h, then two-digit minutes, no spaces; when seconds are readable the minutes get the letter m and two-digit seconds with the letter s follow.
9h25
